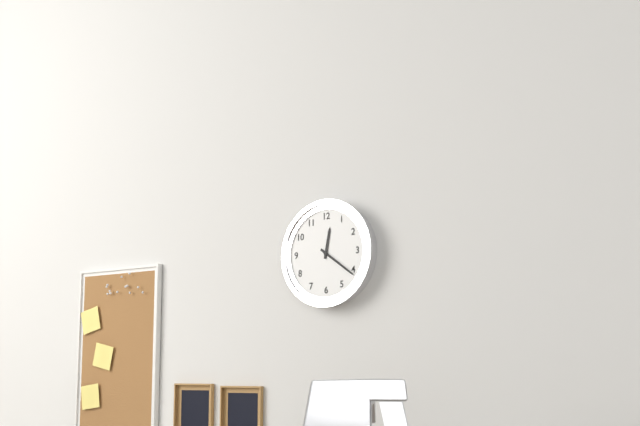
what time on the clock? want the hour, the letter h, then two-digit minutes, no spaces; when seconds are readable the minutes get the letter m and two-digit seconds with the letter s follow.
12h21
